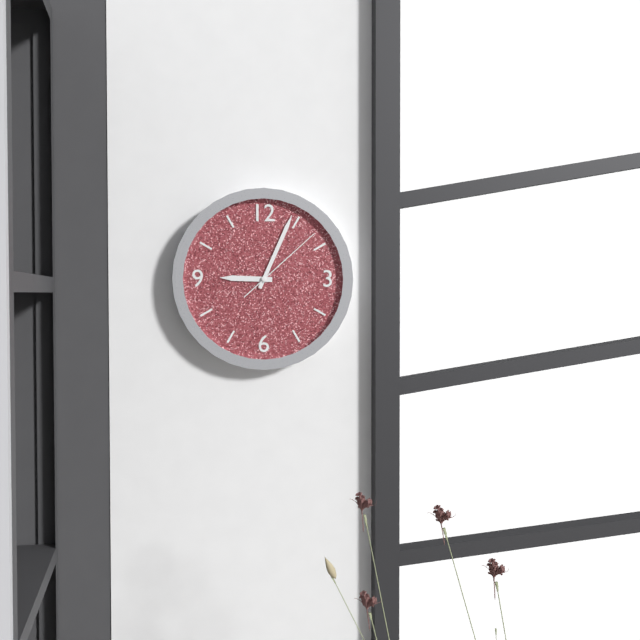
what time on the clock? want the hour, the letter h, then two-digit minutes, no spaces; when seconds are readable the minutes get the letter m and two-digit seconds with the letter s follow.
9h04m08s
